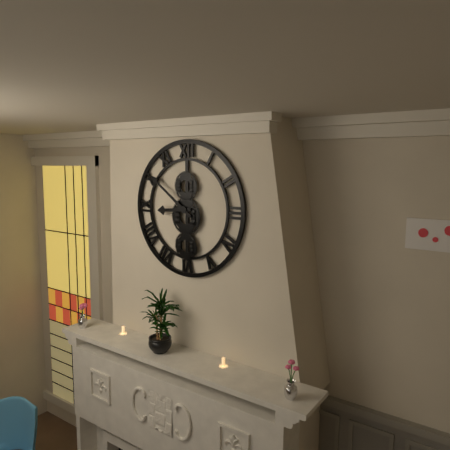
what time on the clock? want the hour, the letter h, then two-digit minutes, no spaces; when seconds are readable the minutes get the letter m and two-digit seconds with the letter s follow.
8h51
